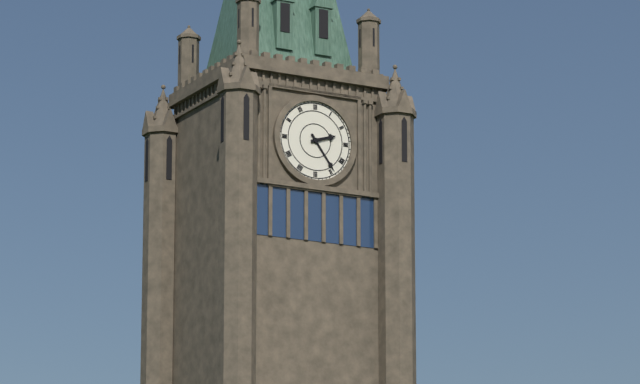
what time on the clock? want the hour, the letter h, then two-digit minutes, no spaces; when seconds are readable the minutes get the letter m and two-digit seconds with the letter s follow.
2h24
